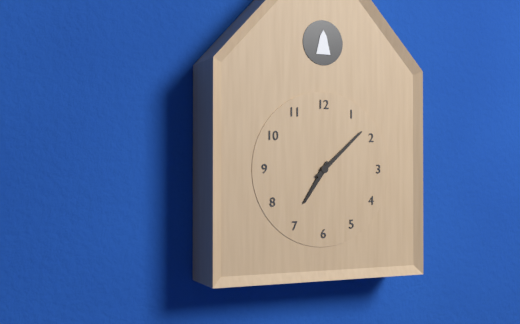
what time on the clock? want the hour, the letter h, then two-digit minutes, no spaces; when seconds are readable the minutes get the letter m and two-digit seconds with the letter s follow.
7h08
